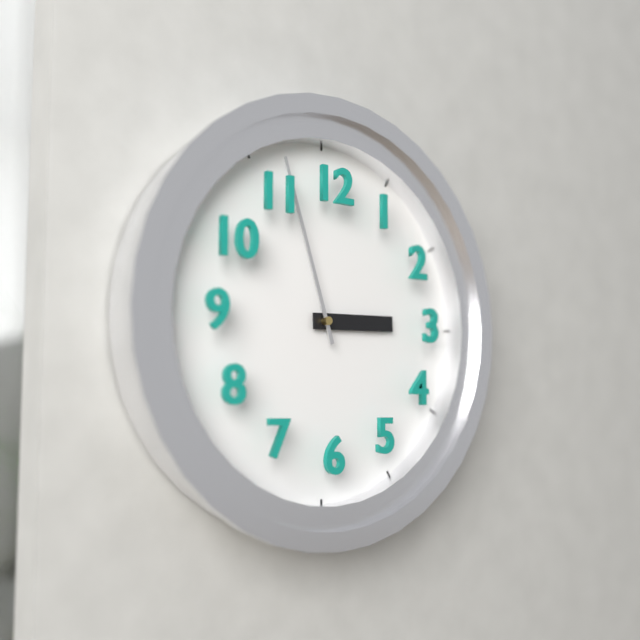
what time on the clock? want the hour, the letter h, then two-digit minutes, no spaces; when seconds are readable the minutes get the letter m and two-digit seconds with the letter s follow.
2h57
